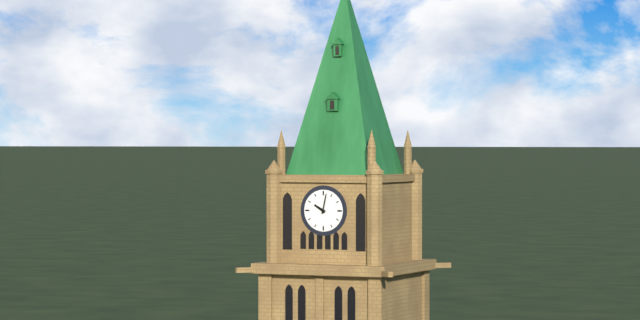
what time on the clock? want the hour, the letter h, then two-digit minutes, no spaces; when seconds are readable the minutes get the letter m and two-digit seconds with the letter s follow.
10h02
